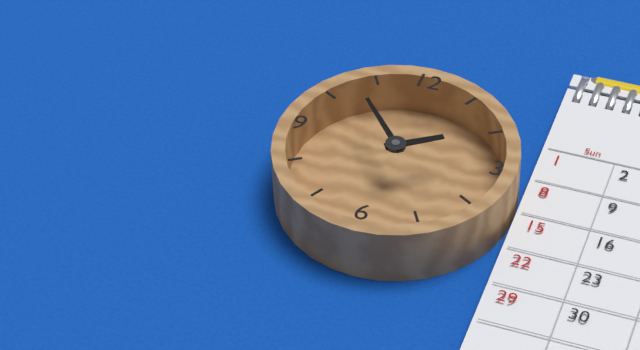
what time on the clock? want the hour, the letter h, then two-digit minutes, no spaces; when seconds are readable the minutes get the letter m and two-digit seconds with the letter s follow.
1h53
